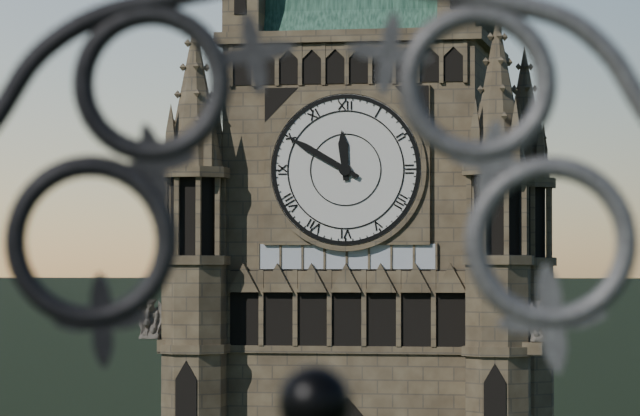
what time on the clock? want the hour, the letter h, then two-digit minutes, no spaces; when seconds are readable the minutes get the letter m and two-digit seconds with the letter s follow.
11h50
